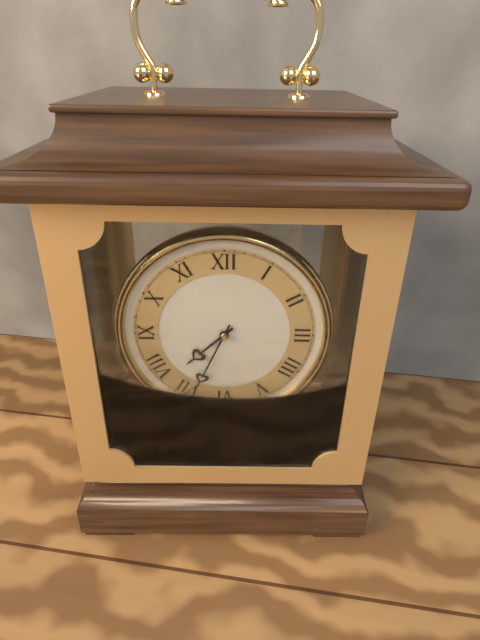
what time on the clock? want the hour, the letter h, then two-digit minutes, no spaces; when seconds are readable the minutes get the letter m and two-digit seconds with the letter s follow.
7h34
